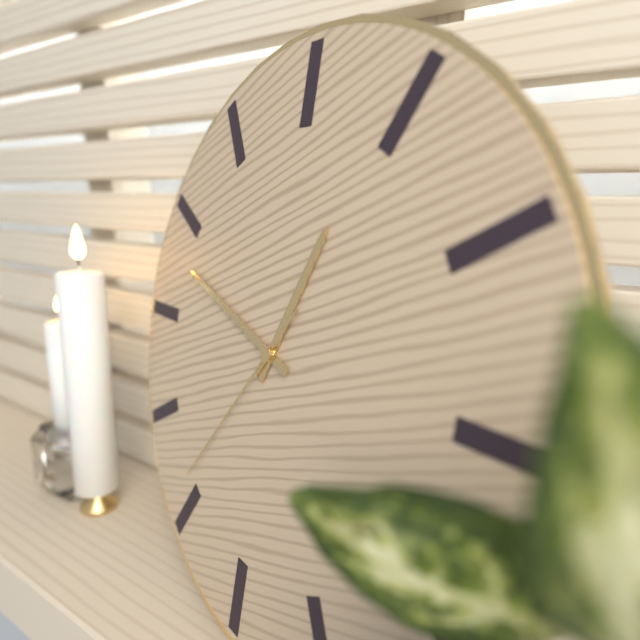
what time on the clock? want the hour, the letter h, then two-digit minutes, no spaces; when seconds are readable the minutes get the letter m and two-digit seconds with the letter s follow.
12h48m36s
